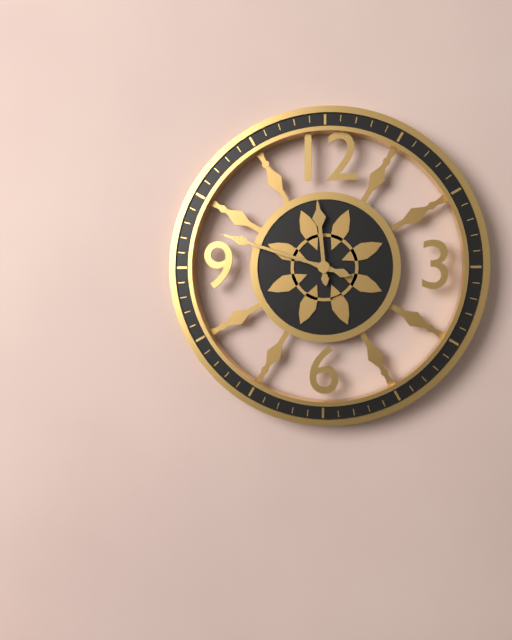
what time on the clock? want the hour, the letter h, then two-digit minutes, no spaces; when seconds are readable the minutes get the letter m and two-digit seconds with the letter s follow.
11h48
